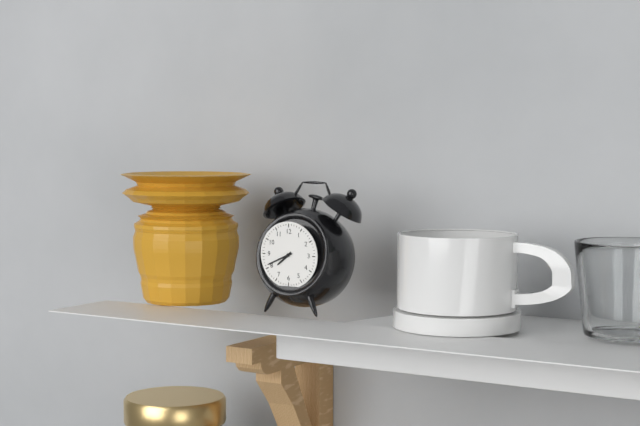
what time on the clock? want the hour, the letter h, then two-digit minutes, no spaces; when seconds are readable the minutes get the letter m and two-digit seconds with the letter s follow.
7h41
